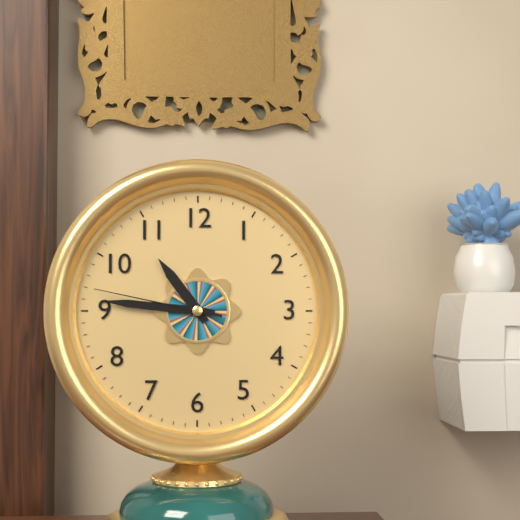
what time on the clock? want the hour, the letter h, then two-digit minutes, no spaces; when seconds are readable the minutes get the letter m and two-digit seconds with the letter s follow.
10h46m47s
